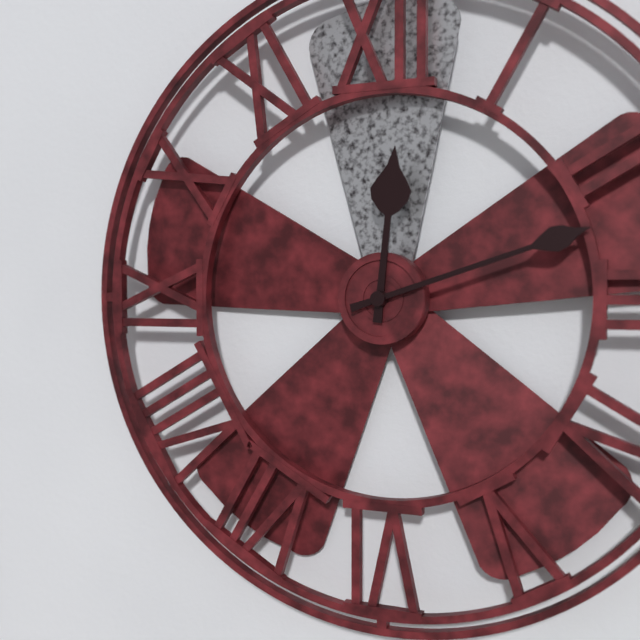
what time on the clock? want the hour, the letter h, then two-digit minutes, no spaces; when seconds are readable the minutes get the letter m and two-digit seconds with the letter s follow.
12h12
